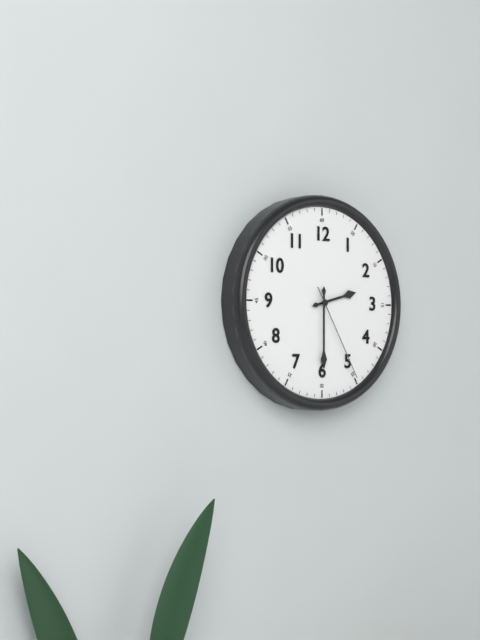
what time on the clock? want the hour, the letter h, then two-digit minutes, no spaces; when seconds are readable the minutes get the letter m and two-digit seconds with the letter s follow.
2h30m25s
